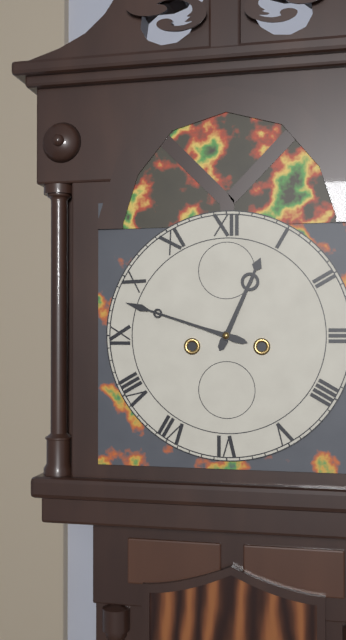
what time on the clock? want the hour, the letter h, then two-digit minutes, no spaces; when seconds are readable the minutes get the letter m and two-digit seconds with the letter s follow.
12h48
